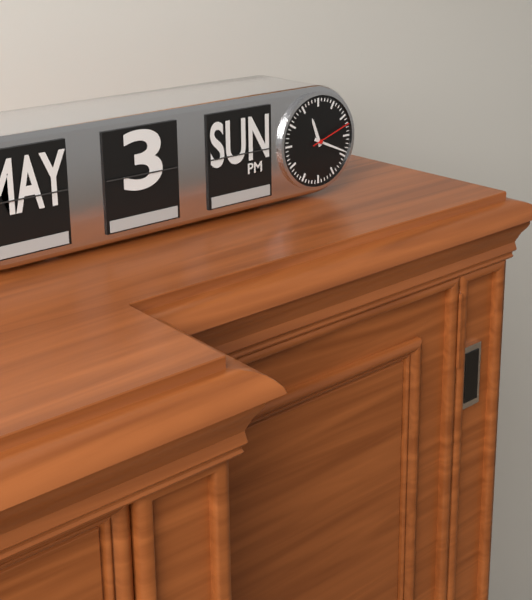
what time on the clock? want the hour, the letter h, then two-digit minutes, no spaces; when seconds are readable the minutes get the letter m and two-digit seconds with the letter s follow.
11h19
